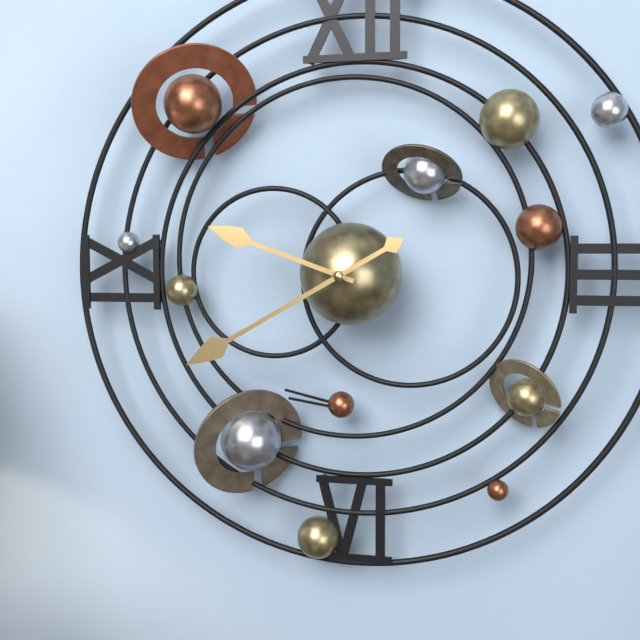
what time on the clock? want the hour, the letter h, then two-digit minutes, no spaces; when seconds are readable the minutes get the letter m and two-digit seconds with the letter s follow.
9h40
